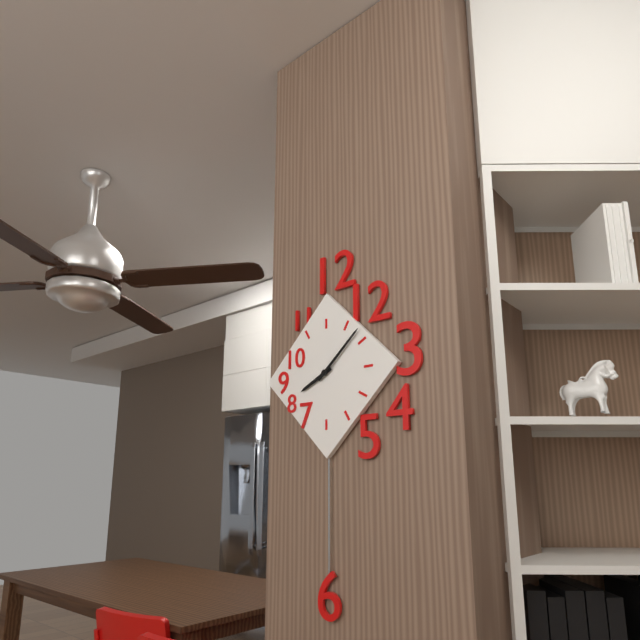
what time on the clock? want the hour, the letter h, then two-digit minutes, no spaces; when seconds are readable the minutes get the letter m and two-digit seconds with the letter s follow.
8h08
